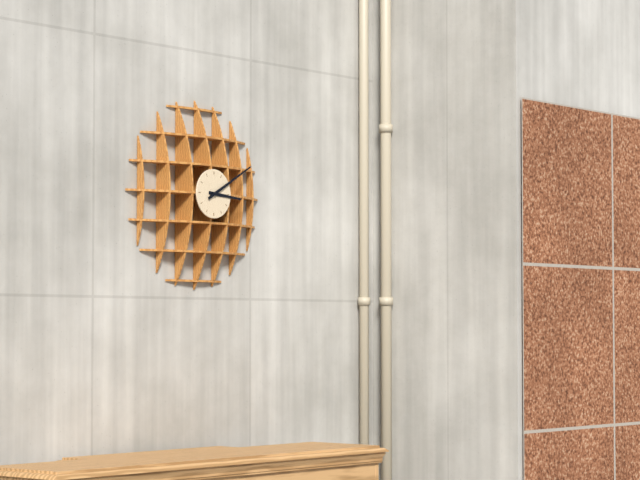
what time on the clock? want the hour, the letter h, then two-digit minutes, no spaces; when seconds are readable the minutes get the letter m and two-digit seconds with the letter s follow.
3h10
